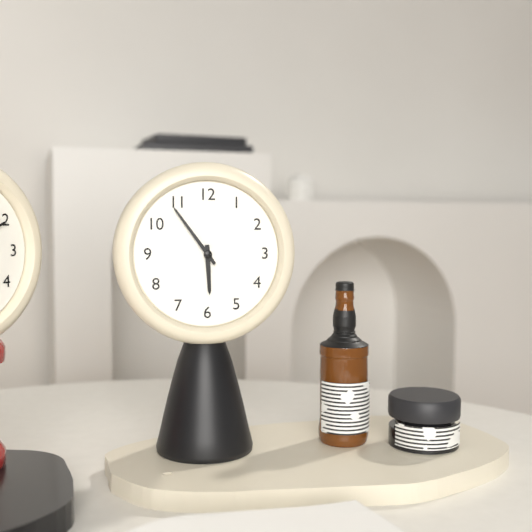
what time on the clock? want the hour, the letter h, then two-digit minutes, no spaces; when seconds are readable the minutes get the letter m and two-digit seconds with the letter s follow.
5h54
